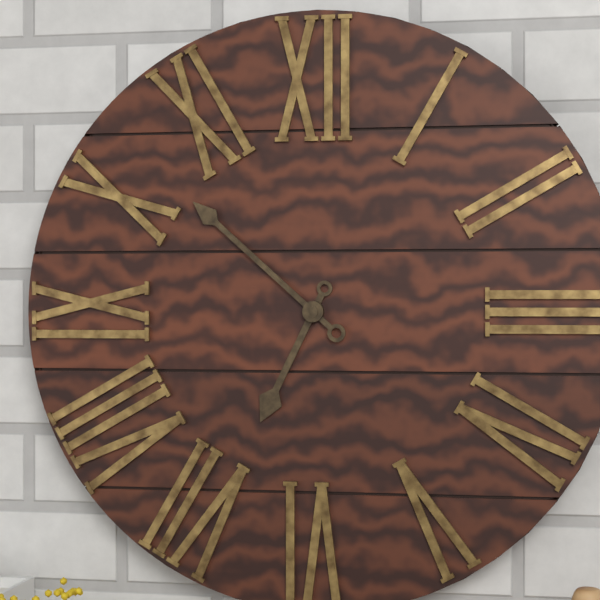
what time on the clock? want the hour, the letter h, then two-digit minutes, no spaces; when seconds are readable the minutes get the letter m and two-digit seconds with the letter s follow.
6h52
